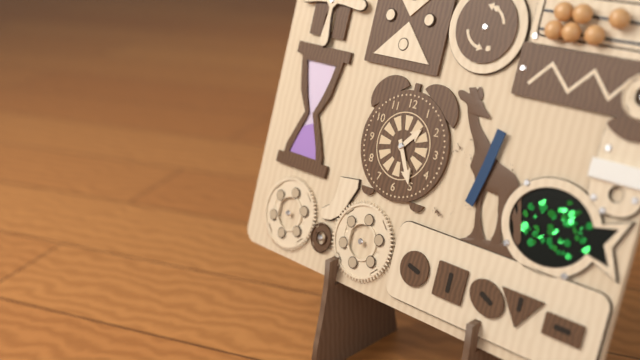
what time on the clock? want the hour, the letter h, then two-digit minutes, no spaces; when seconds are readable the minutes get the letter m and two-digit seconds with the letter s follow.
1h25
